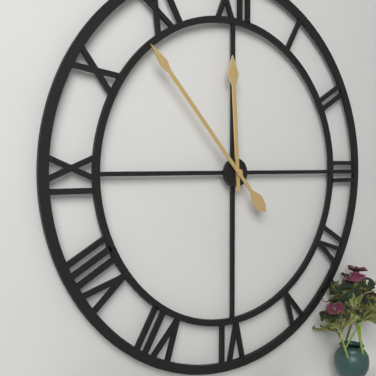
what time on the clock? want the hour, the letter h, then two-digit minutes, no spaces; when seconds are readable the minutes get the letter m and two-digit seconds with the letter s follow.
11h53
